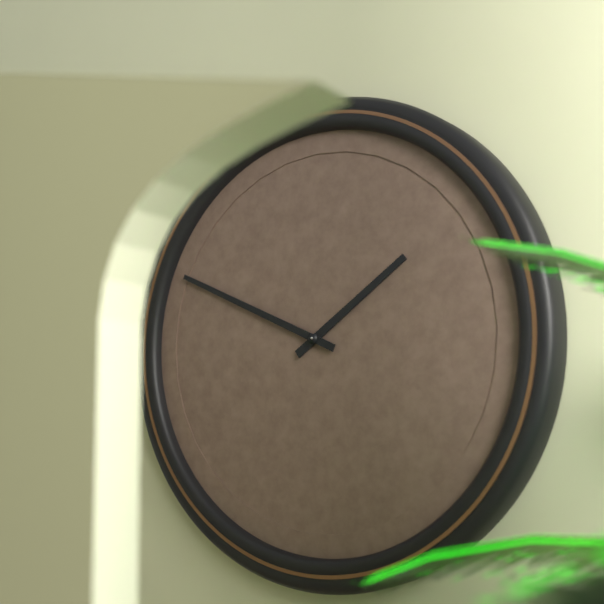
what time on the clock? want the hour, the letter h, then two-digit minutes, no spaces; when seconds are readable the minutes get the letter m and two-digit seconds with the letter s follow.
1h49
